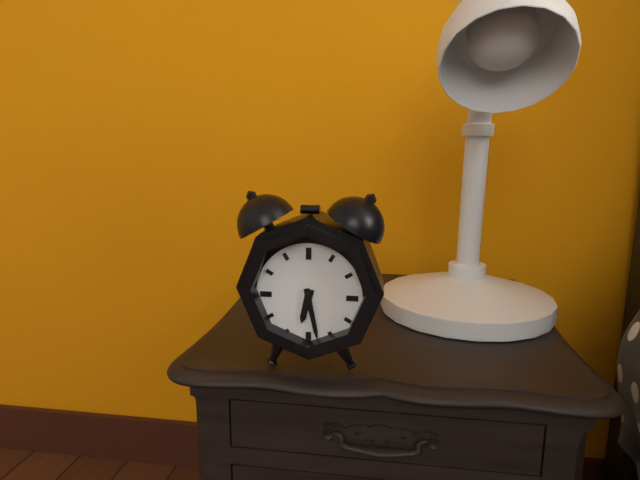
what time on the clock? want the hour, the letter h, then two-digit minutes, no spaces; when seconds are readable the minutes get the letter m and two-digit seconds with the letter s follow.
6h28
